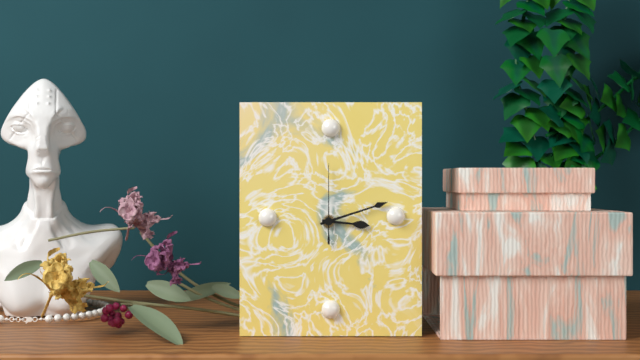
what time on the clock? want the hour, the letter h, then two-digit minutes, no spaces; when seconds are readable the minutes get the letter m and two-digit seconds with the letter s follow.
3h12m00s
